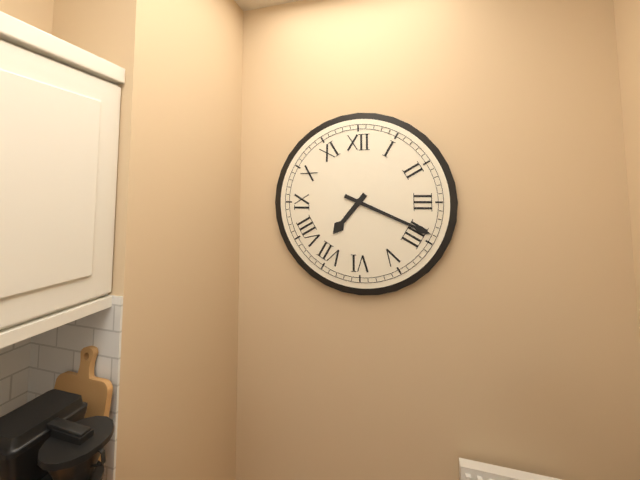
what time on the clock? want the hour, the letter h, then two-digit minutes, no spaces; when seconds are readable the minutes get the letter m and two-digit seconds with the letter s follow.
7h19
